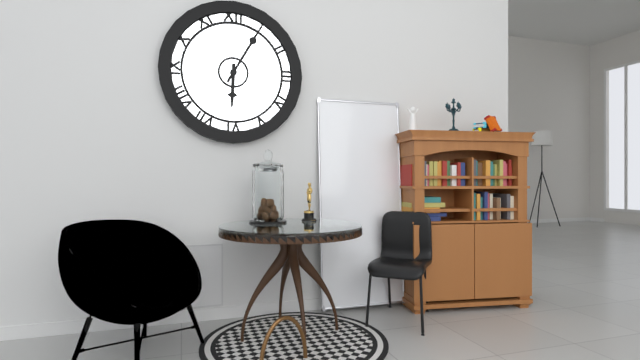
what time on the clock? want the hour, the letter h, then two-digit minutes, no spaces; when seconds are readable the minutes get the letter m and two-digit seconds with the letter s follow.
6h05
